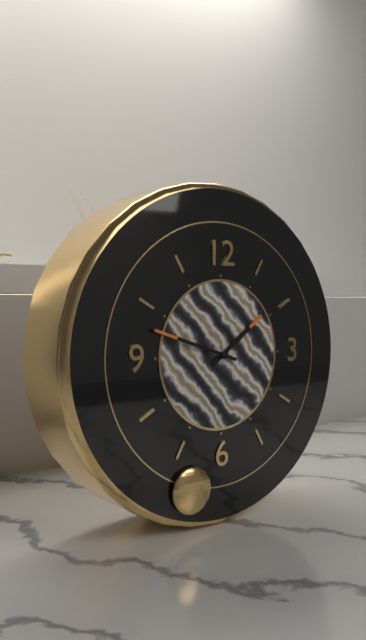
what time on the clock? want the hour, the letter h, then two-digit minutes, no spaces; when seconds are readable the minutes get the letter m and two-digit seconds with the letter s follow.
1h48
